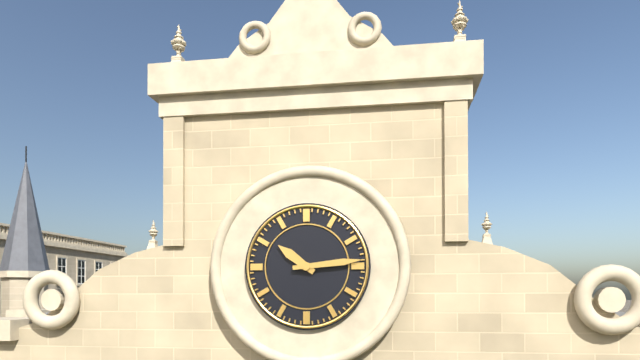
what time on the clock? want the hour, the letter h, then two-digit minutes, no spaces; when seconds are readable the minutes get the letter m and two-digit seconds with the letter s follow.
10h14
